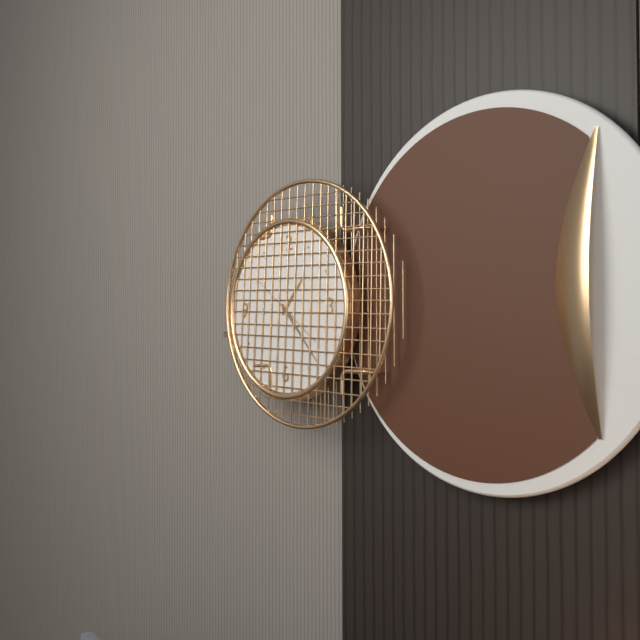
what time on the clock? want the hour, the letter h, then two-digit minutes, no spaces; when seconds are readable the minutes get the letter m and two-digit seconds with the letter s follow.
1h23m21s
